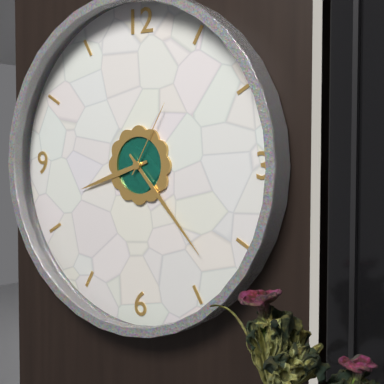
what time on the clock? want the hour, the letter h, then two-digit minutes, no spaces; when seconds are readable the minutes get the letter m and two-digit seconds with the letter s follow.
8h23m05s
